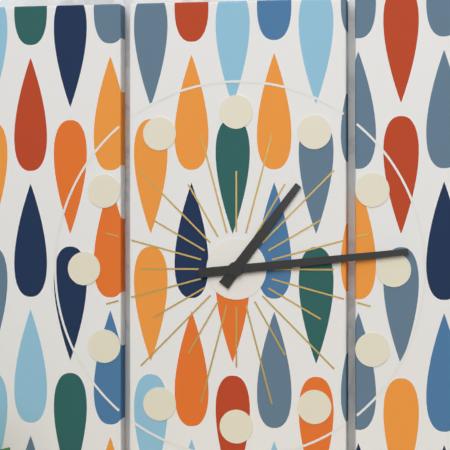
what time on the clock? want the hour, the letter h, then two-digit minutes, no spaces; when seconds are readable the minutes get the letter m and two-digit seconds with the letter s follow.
1h14
